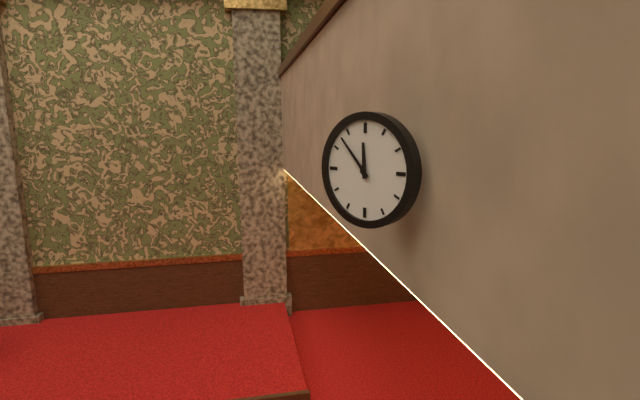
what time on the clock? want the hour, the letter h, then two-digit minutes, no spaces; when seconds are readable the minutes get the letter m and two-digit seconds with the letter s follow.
11h53
